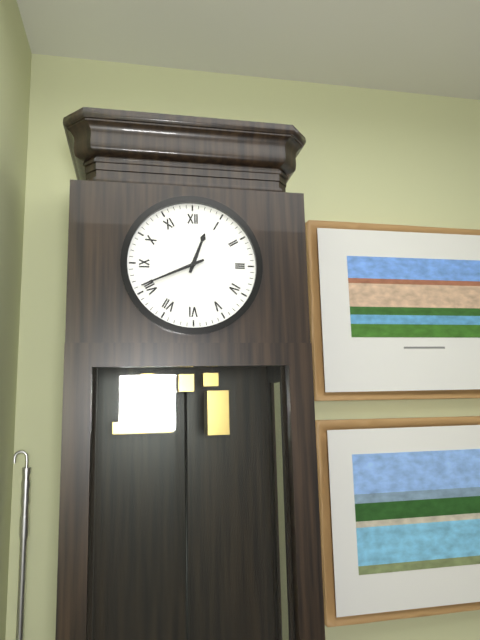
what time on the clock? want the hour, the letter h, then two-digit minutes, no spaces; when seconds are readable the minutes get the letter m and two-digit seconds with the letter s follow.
12h41
